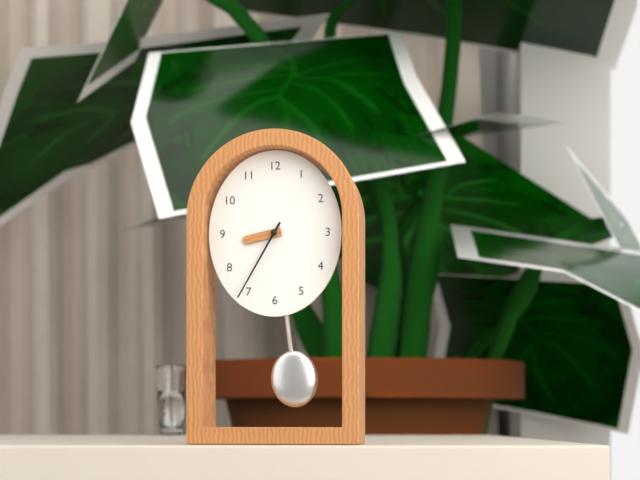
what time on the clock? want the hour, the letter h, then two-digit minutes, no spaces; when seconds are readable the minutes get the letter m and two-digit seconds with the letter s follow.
8h35
